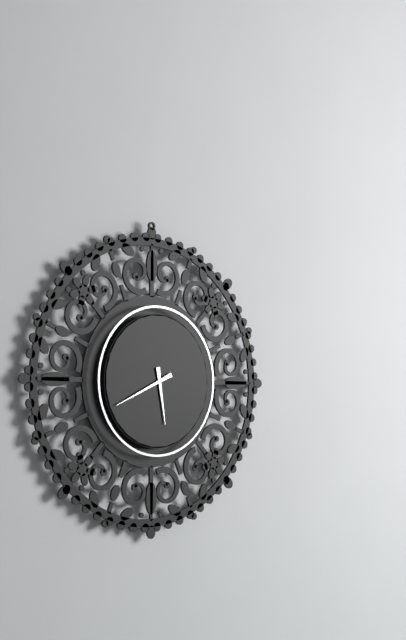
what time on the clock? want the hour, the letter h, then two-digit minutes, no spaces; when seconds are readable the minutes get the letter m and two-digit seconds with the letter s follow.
5h41
